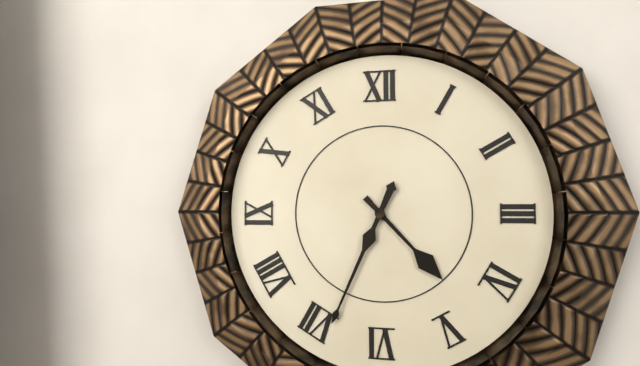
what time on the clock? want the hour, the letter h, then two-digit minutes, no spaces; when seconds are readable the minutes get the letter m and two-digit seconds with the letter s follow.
4h34
